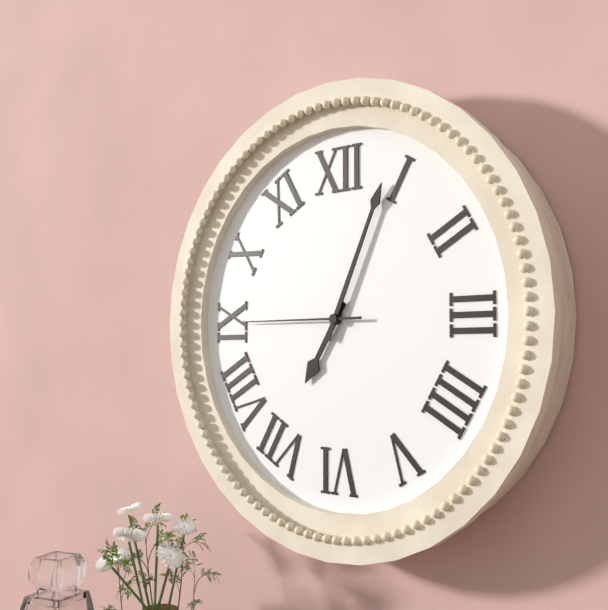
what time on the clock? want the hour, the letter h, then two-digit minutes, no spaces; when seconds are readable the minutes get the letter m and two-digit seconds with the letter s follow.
7h04m45s
